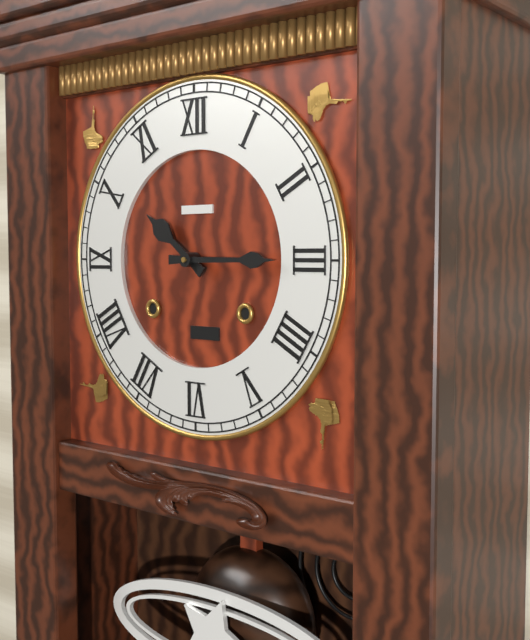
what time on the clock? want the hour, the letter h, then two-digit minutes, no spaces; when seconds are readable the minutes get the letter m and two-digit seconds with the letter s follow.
10h15
